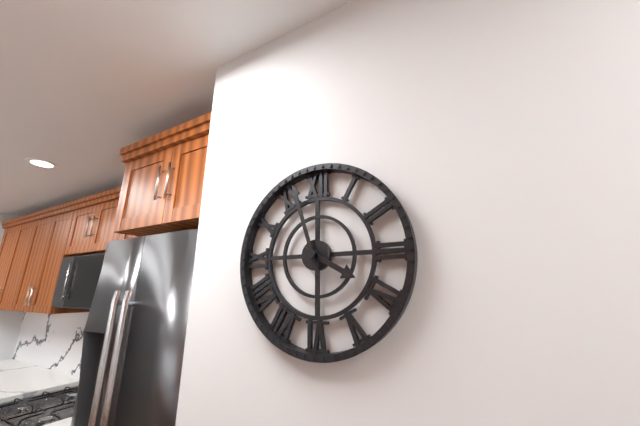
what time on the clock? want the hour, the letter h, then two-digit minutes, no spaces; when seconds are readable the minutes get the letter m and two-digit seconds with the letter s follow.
3h57
